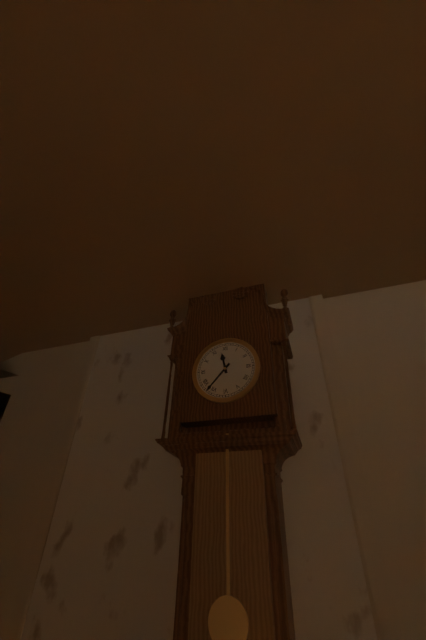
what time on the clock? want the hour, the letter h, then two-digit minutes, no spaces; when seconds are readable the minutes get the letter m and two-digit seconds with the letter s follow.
11h37
